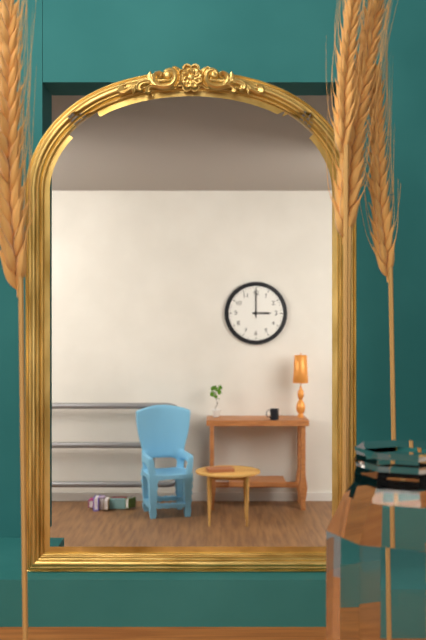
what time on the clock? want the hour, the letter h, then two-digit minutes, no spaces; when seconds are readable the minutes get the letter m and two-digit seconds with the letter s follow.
3h00
